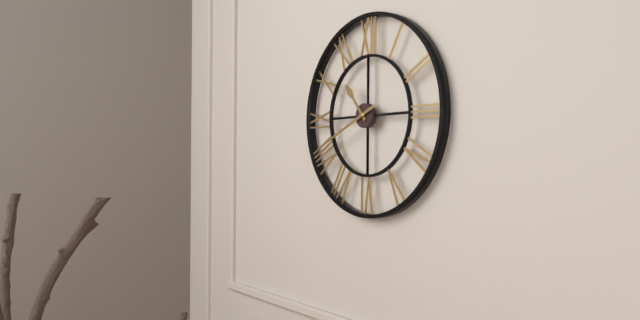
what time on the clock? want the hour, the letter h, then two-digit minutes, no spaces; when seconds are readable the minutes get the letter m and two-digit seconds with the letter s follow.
10h41
